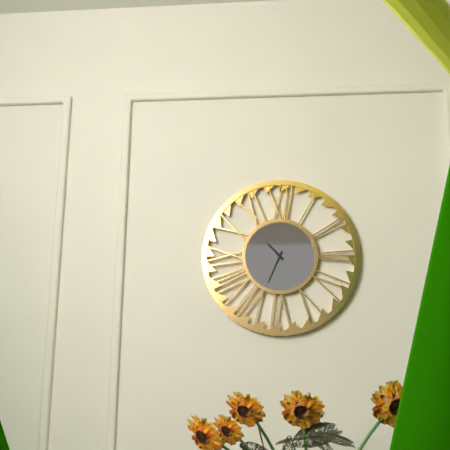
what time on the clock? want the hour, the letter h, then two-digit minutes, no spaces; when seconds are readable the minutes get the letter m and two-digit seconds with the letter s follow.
10h34
